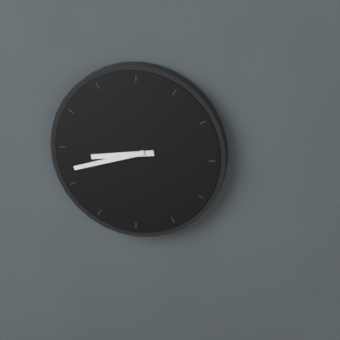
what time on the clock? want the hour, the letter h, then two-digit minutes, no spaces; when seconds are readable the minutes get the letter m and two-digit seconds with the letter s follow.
8h42
